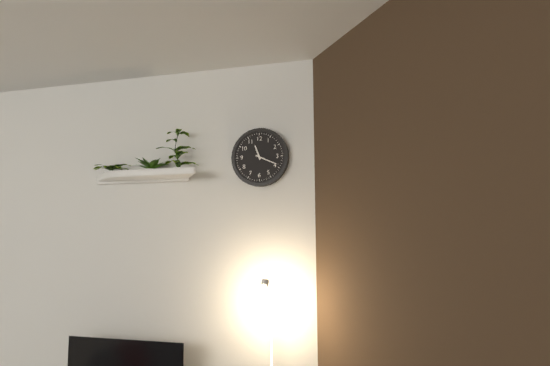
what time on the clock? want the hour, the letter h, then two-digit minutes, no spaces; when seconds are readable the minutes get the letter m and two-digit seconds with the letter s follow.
11h19
